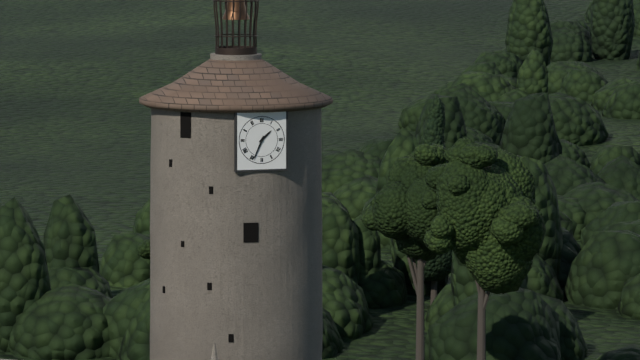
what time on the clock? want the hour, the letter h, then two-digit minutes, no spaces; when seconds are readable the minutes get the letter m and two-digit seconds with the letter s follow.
1h34
